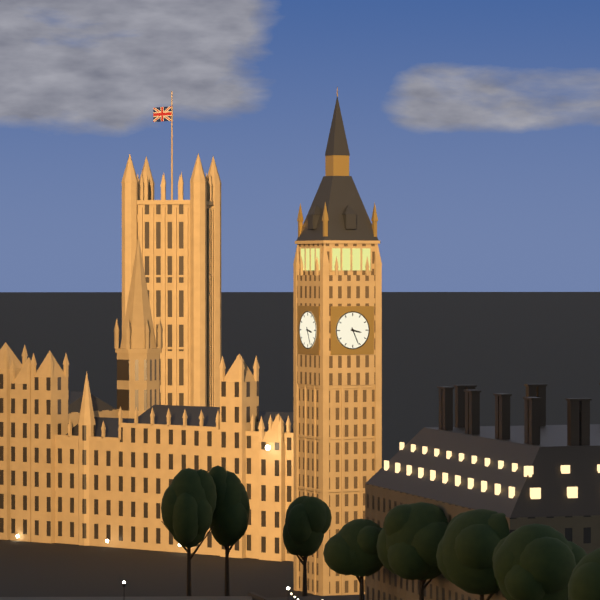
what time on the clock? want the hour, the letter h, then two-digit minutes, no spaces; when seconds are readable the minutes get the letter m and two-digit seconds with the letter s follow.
3h26
